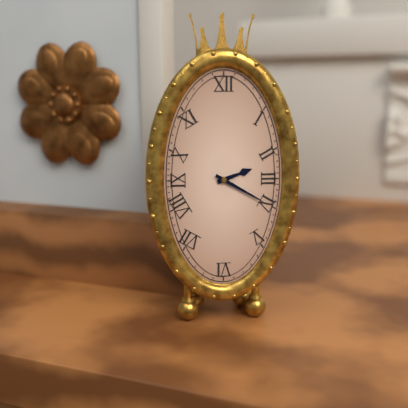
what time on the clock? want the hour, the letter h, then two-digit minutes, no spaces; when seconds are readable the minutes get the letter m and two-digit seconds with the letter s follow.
2h20
